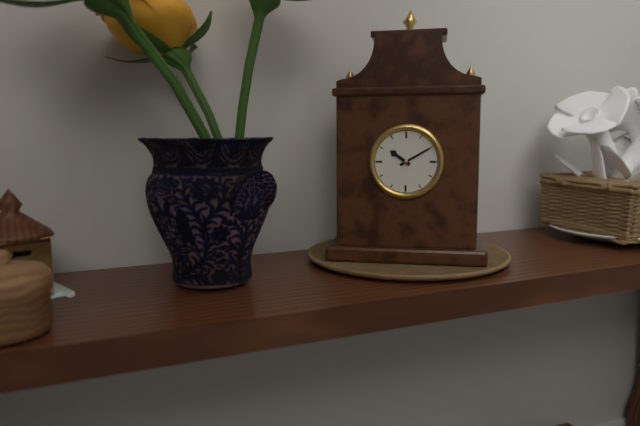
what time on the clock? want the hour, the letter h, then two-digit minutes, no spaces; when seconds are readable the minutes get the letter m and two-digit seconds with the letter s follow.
10h10
